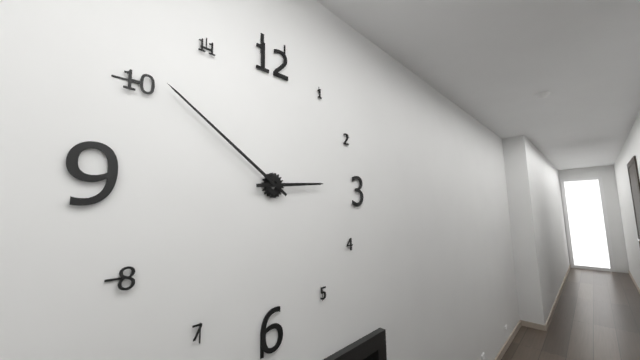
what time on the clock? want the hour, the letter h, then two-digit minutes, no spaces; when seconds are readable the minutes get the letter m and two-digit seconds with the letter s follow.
2h51
